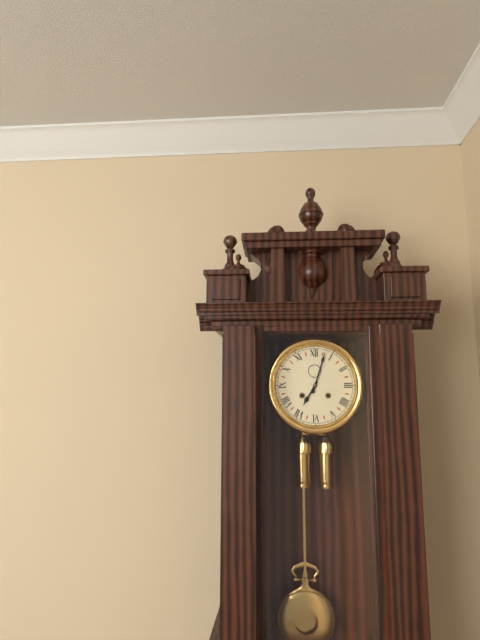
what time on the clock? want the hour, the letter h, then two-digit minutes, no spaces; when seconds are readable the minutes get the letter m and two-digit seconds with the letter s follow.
7h03
